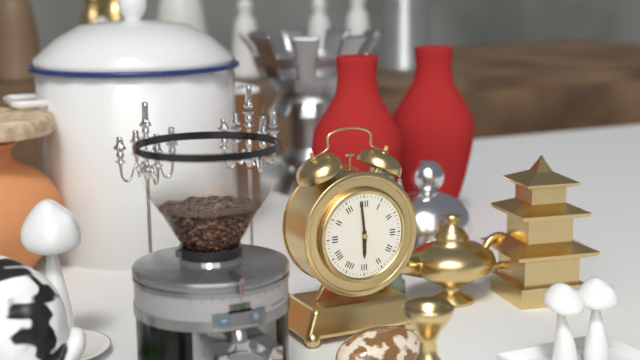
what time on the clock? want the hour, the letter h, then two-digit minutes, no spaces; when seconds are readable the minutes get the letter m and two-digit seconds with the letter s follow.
5h59
